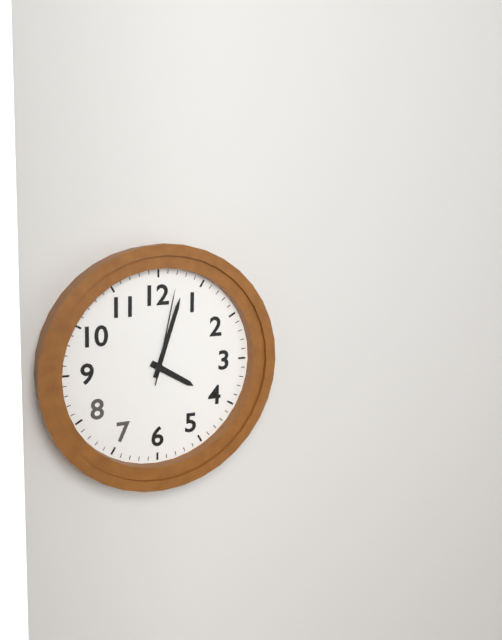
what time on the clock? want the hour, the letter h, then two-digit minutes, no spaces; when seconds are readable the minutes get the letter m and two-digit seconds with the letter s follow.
4h03m02s
